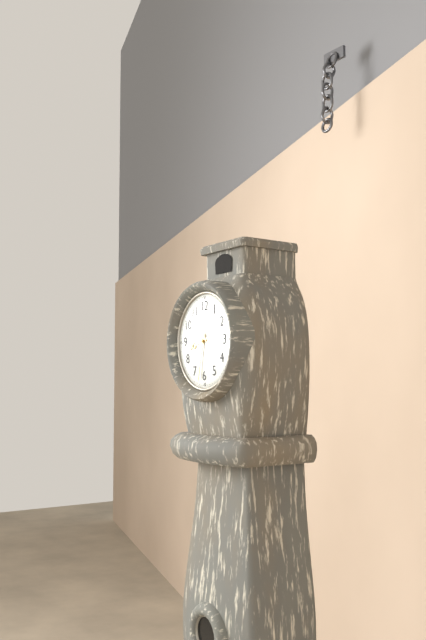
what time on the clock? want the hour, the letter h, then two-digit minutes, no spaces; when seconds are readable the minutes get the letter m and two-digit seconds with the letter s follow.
8h32
